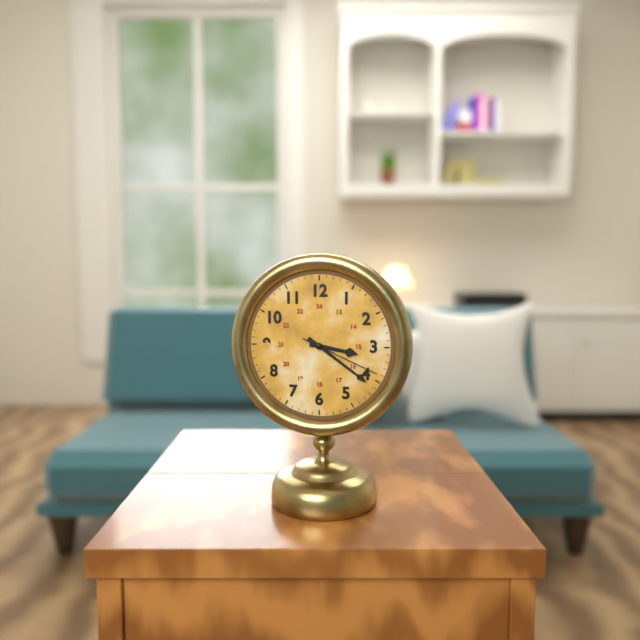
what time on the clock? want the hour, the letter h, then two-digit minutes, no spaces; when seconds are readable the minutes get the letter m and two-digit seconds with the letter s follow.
3h21m19s
